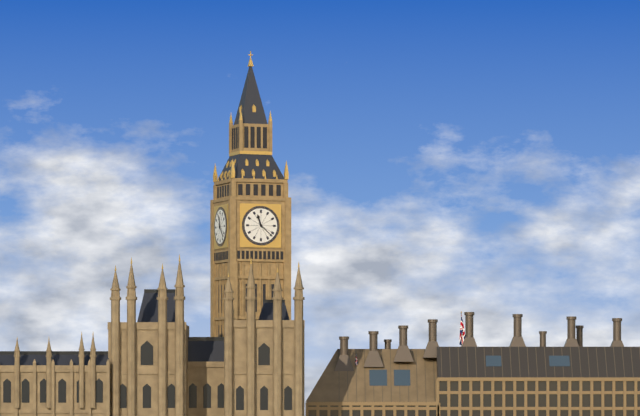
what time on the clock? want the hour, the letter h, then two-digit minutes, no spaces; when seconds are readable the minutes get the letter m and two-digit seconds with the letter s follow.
11h22
